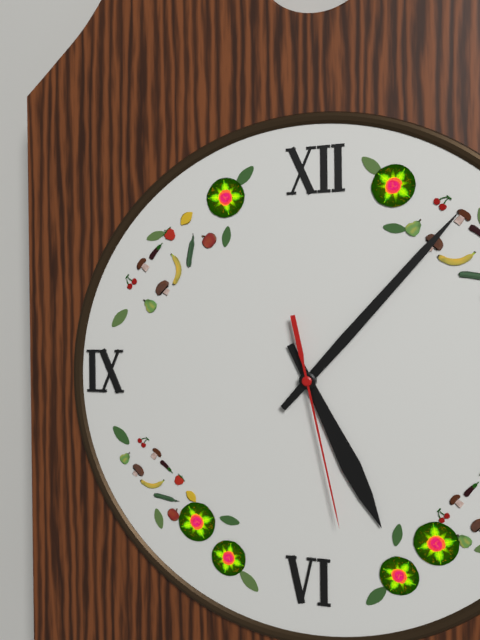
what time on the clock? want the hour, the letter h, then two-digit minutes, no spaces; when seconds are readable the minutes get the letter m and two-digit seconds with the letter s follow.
5h07m28s
